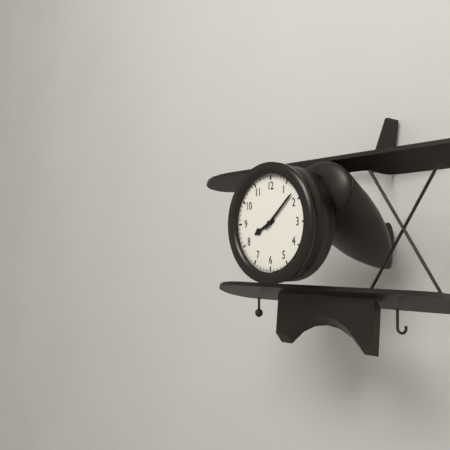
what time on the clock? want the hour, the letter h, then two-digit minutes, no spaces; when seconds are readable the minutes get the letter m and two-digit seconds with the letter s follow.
8h08
